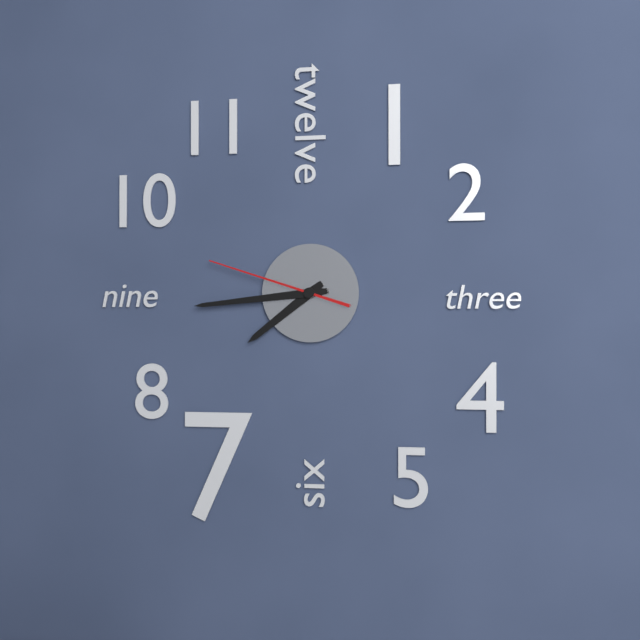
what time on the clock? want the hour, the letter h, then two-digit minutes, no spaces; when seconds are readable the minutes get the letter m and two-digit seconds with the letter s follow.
7h44m48s
